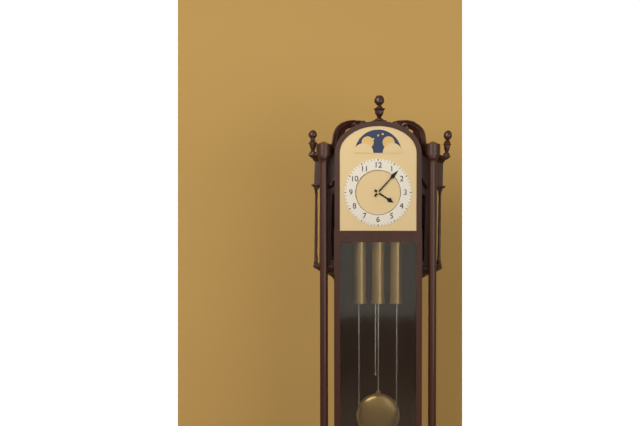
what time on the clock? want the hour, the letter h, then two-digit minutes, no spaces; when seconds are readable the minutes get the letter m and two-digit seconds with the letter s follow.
4h07
